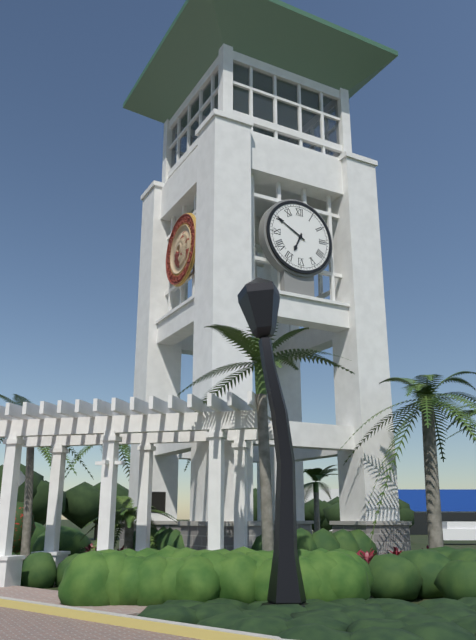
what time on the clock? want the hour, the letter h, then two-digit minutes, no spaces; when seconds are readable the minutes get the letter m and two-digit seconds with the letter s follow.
6h50
